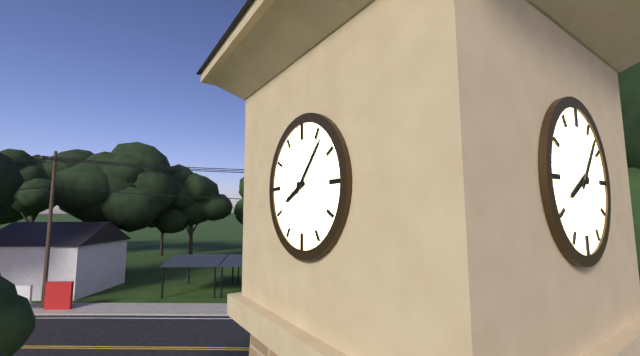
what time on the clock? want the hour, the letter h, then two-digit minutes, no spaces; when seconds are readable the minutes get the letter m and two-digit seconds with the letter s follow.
8h07
